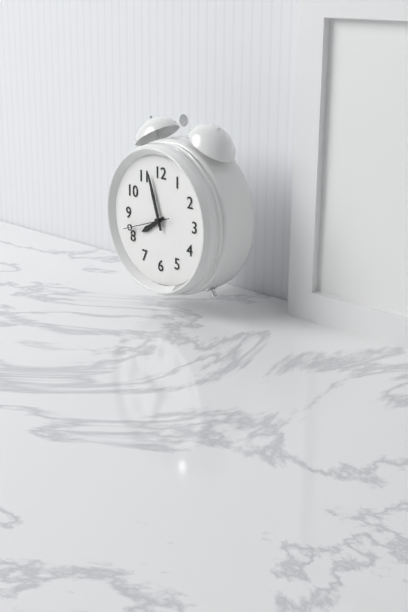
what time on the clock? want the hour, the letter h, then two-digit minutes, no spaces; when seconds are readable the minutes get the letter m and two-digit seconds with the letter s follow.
7h57
